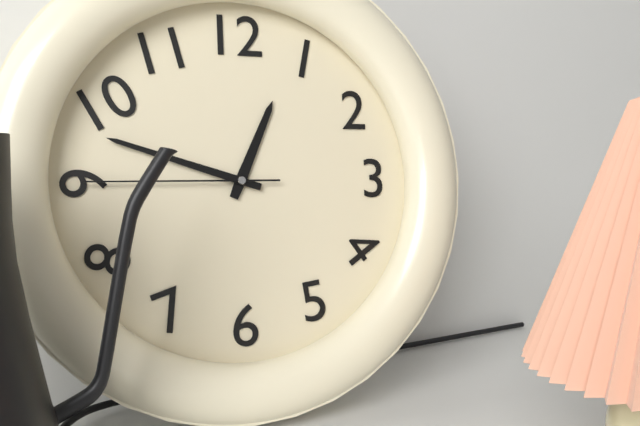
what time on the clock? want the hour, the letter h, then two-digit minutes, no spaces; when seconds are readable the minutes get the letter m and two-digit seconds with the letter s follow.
12h48m45s
